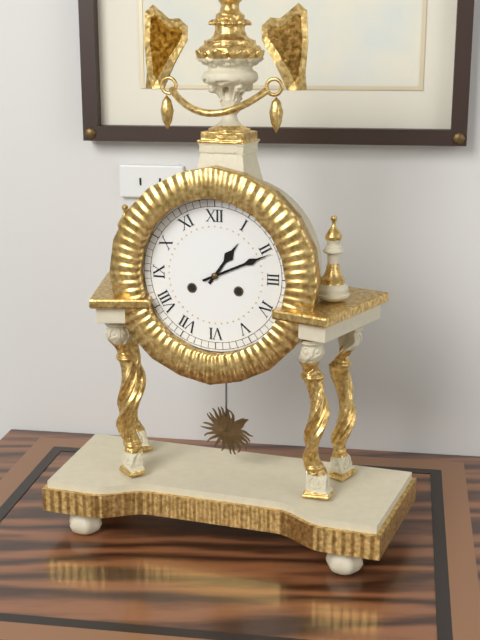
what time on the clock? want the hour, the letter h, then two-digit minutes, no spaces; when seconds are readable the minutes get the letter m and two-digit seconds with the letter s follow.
1h11
